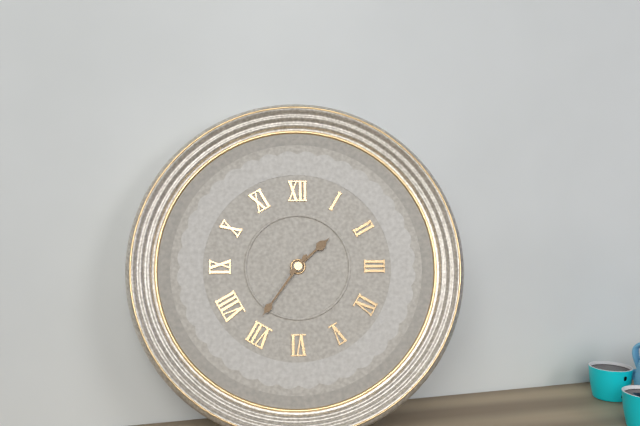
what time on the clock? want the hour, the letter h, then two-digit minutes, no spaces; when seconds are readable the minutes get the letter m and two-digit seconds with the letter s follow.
1h36
